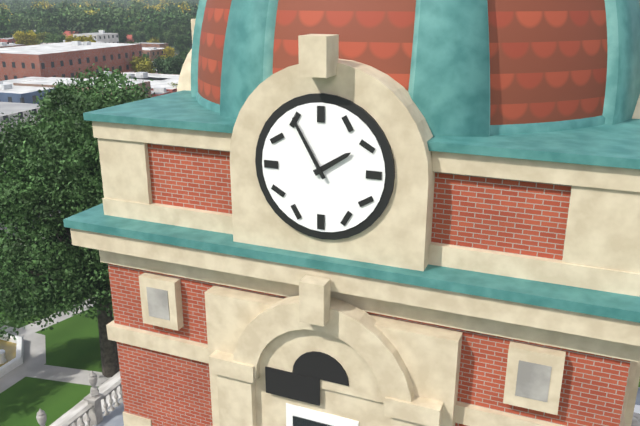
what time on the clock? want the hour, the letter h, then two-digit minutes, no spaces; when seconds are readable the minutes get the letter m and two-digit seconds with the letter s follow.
1h55
